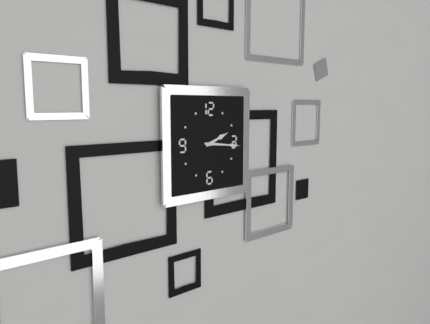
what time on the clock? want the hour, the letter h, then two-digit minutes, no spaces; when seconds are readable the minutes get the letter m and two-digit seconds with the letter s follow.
2h16
